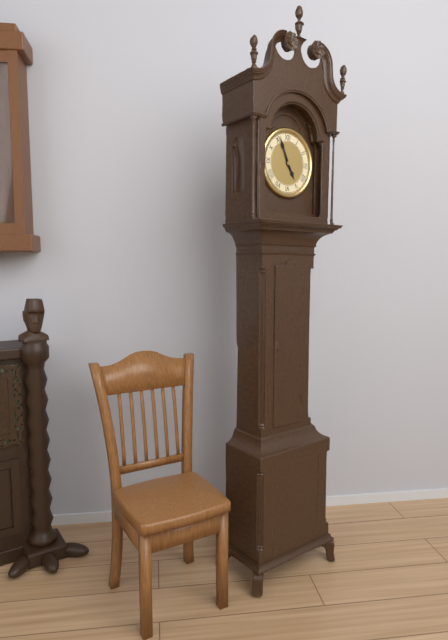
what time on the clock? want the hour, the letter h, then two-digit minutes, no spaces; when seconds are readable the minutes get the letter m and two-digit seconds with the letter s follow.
4h56
